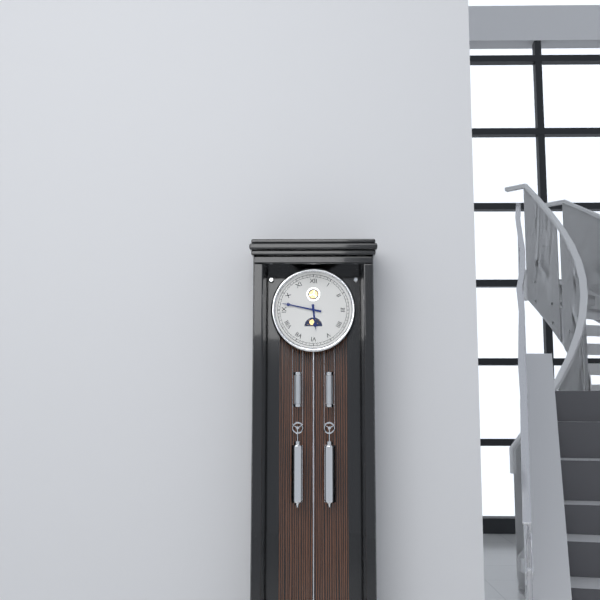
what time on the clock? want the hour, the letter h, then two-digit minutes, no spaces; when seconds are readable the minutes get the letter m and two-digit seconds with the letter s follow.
5h47
